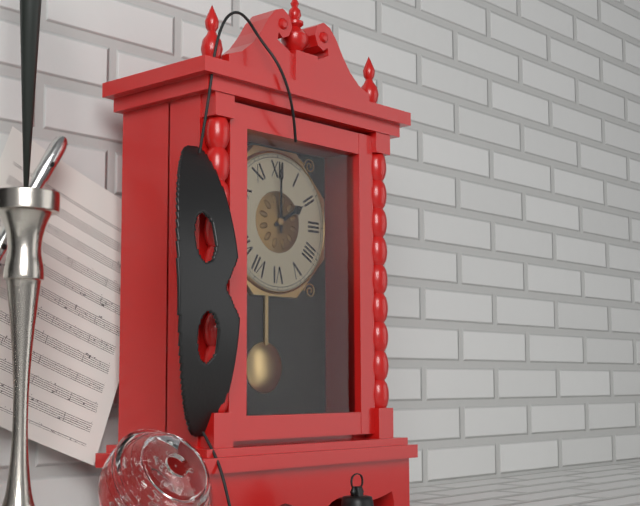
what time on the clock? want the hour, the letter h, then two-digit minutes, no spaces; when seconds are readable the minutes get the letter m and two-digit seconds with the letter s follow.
2h00
